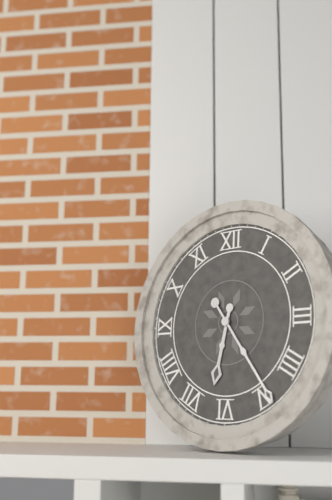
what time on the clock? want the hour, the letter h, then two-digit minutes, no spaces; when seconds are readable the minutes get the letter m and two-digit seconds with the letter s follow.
6h24
